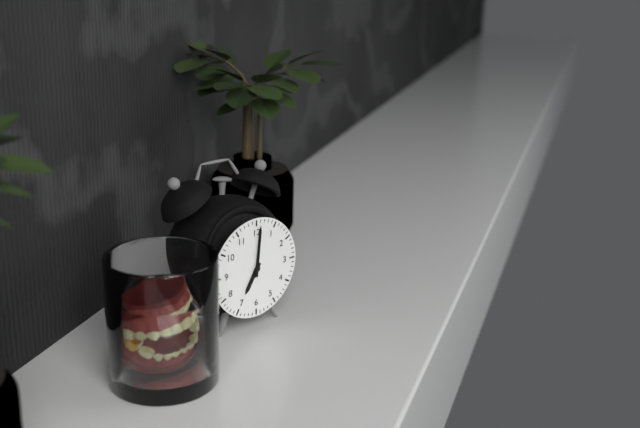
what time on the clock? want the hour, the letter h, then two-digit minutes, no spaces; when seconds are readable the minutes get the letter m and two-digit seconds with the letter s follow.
7h01
